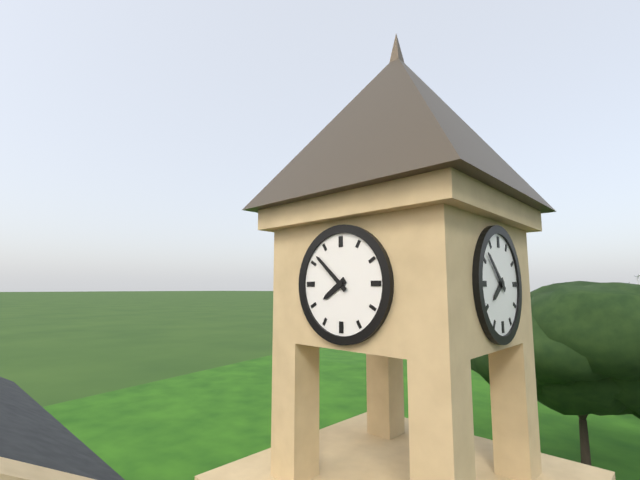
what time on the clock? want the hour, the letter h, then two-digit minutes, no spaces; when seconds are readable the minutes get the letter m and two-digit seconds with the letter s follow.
7h52
